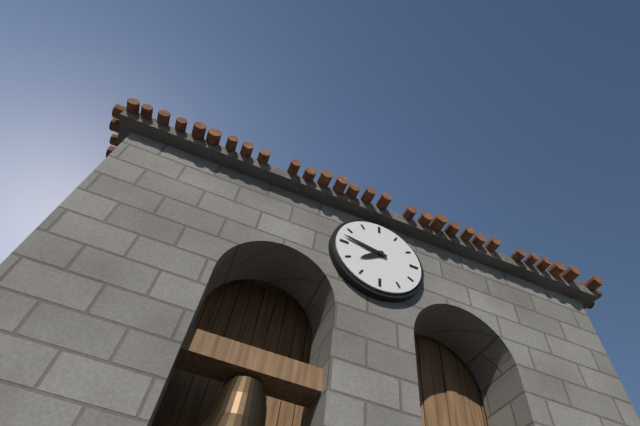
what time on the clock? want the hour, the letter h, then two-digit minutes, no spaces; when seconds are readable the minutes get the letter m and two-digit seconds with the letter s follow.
7h47
